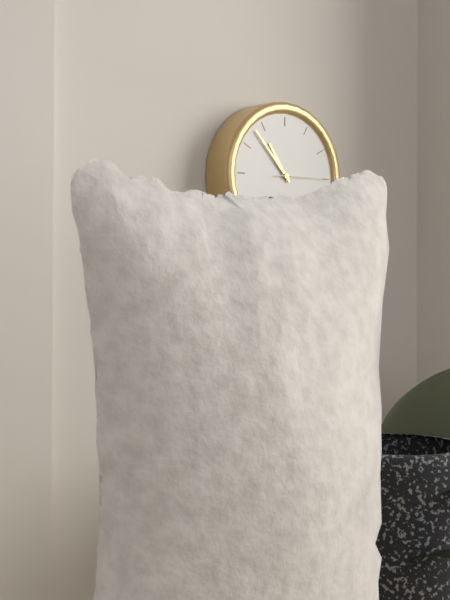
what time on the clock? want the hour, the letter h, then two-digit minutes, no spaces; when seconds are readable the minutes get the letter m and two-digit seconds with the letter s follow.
10h53m15s
